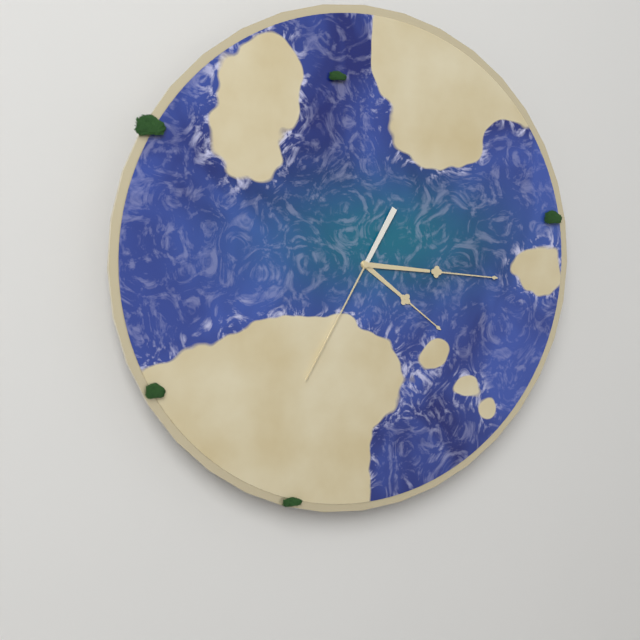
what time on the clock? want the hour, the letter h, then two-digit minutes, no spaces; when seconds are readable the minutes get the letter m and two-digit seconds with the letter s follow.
4h16m35s
